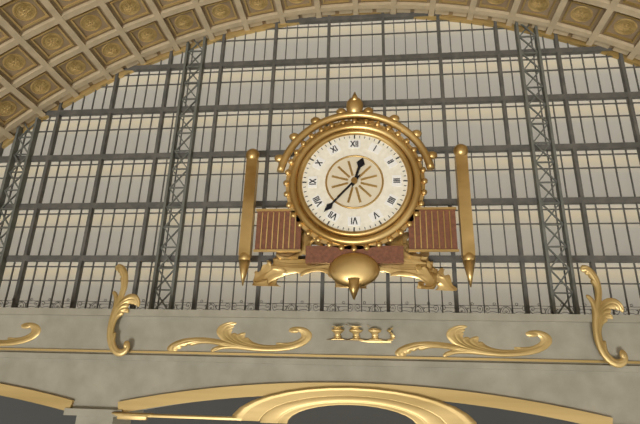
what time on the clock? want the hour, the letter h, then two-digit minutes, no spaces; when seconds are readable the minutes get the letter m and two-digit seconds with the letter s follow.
12h37
